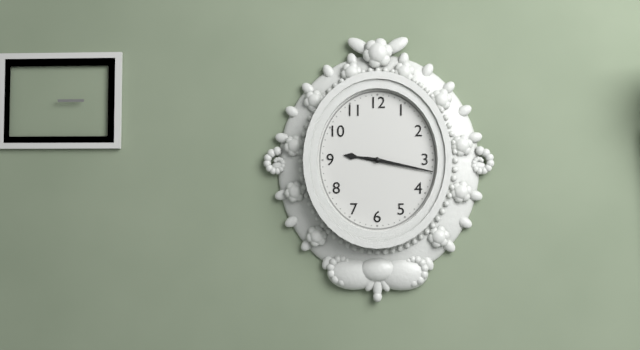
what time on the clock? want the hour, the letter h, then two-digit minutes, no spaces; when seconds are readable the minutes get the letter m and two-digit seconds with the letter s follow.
9h17
